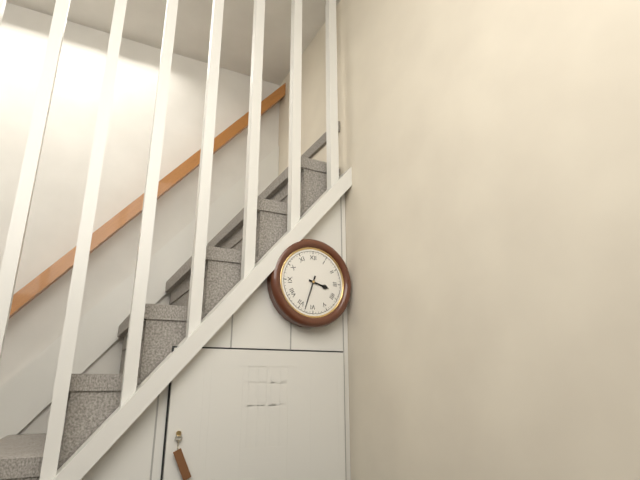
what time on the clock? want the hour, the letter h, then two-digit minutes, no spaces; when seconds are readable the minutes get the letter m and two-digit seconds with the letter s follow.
3h33
